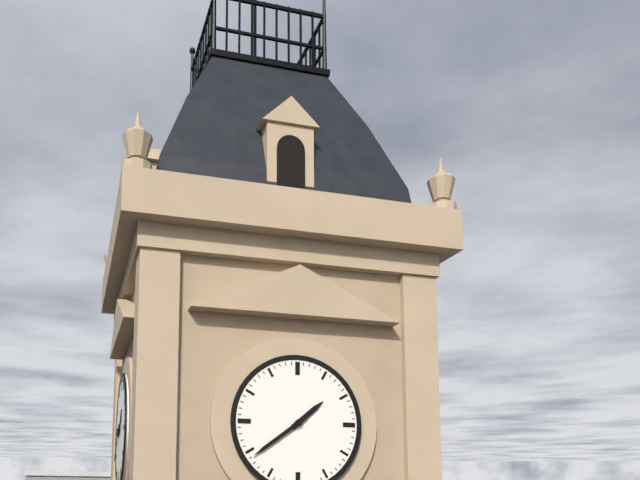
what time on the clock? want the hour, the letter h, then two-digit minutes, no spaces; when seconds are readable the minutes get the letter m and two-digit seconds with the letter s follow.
1h39
